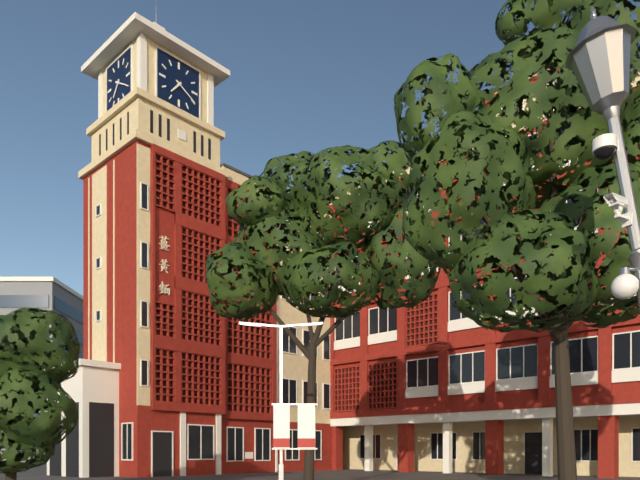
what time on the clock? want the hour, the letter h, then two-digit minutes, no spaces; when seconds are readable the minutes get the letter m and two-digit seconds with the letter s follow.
7h20
